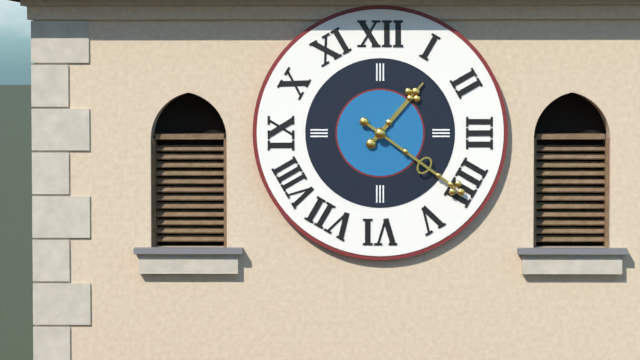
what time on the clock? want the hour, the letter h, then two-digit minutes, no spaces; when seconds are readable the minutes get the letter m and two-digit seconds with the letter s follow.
1h21
